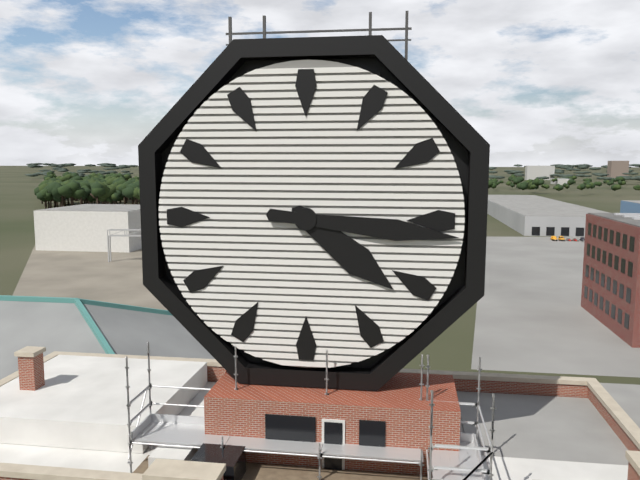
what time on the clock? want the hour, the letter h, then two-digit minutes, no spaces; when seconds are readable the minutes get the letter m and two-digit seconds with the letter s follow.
4h16
